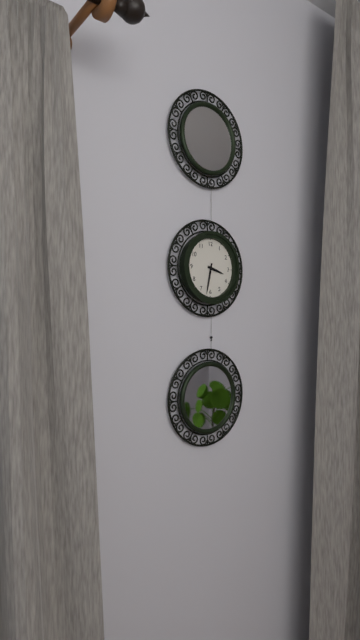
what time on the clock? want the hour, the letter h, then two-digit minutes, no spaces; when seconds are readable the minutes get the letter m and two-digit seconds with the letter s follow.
3h32
